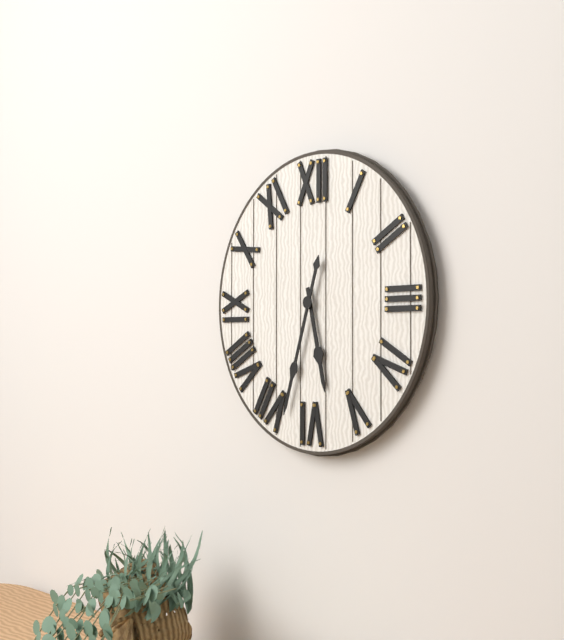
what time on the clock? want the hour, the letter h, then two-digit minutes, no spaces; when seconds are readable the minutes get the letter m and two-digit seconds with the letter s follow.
5h33
